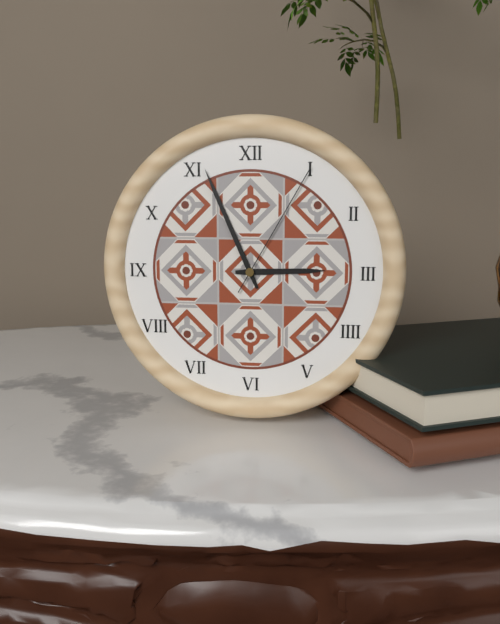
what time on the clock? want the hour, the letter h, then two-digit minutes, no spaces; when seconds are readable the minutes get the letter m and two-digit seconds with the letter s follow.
2h56m05s
